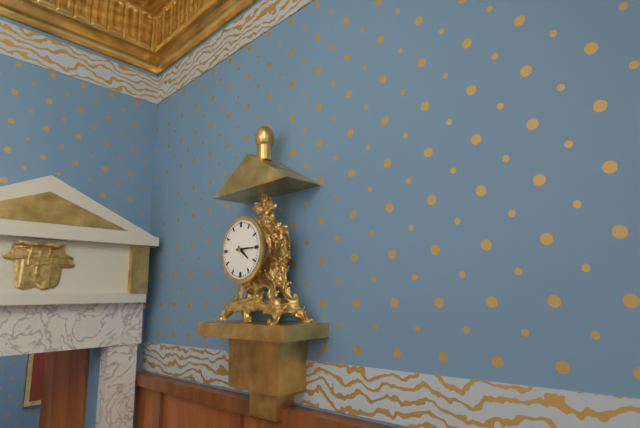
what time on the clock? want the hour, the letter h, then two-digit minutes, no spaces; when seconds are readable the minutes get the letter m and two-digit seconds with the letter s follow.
4h15
